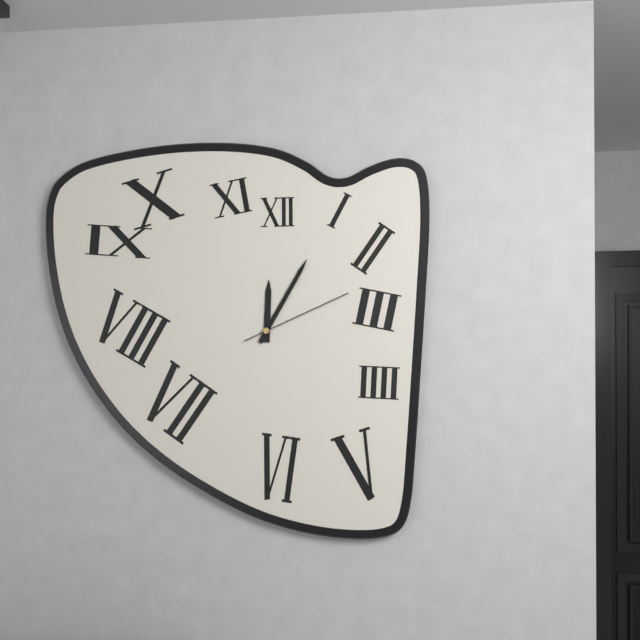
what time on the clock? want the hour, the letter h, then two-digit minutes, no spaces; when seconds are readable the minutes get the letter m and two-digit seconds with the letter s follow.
12h05m11s
